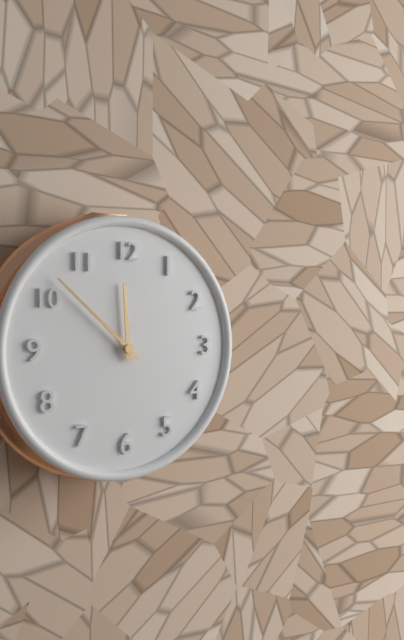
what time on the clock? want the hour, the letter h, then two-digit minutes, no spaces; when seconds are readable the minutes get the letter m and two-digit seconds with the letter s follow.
11h52
